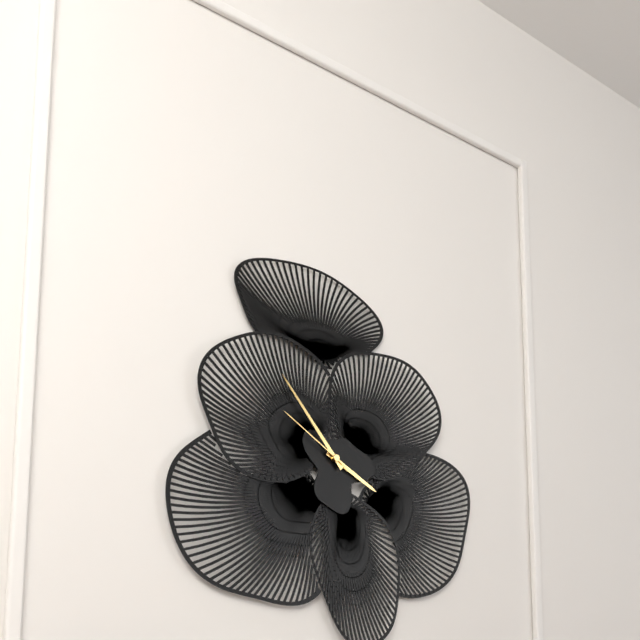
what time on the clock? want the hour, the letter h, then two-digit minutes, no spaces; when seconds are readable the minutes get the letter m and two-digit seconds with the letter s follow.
3h53m50s
